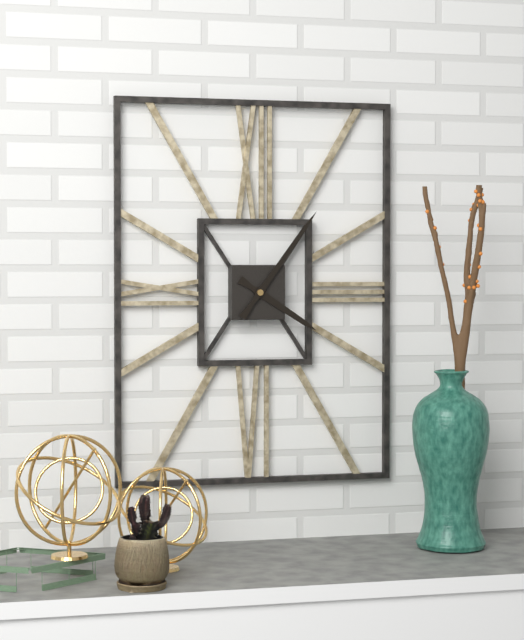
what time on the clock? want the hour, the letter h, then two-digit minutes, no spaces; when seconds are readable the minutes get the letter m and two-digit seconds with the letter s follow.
4h06
